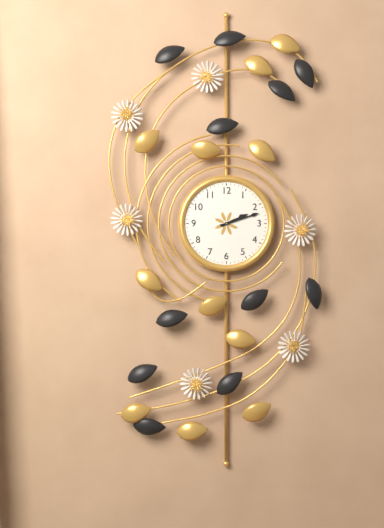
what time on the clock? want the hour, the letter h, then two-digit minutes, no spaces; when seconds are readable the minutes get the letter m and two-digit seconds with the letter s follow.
2h12
